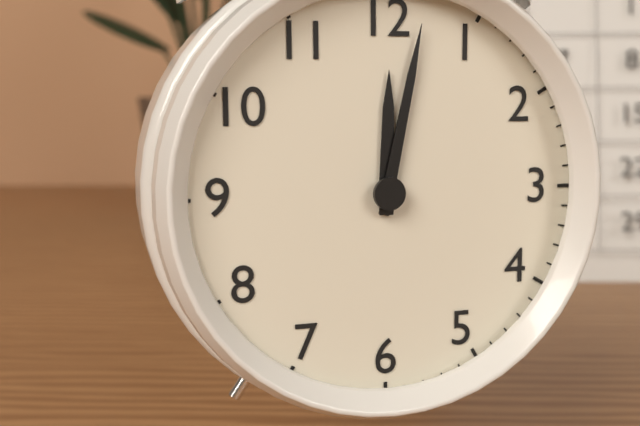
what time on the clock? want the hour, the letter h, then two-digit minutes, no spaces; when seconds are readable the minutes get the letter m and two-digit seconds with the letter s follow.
12h02
